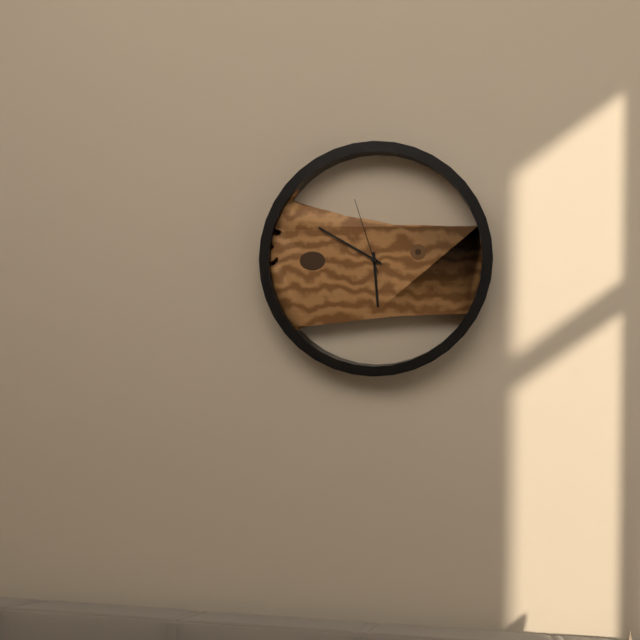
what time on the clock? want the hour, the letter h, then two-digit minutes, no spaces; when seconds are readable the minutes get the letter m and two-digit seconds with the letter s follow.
5h50m57s
